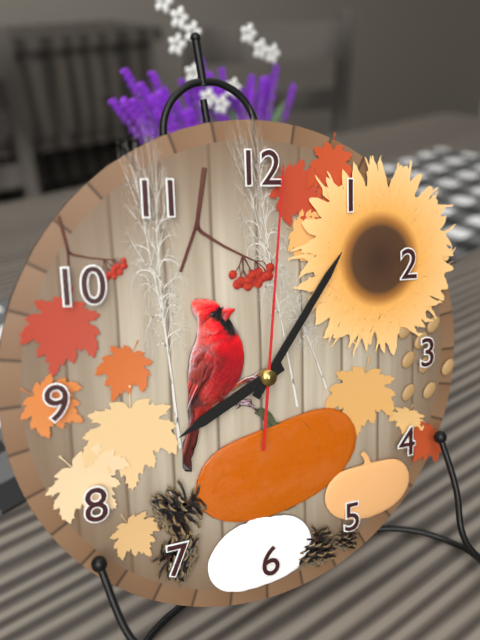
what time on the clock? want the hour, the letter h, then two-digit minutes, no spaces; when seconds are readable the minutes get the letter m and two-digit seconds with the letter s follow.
8h06m01s
